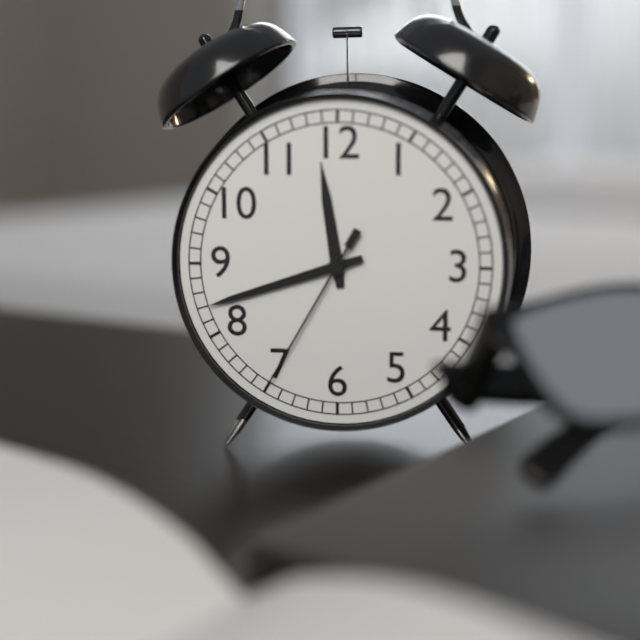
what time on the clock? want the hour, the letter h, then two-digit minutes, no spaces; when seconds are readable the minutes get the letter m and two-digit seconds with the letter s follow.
11h42m35s
